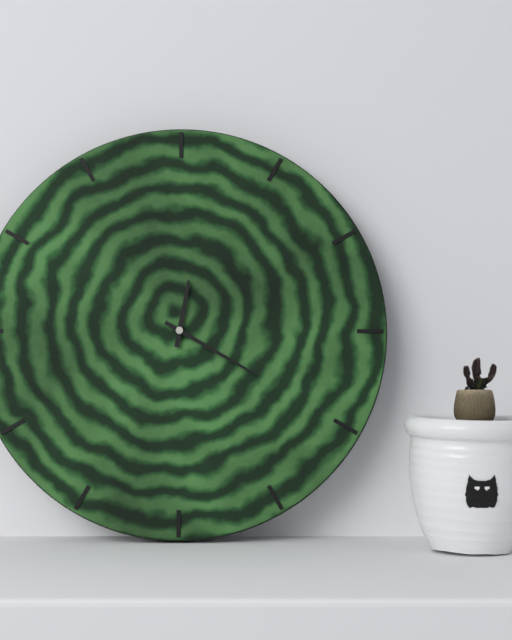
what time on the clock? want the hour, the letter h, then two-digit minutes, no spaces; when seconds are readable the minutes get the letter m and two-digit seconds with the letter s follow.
12h20
